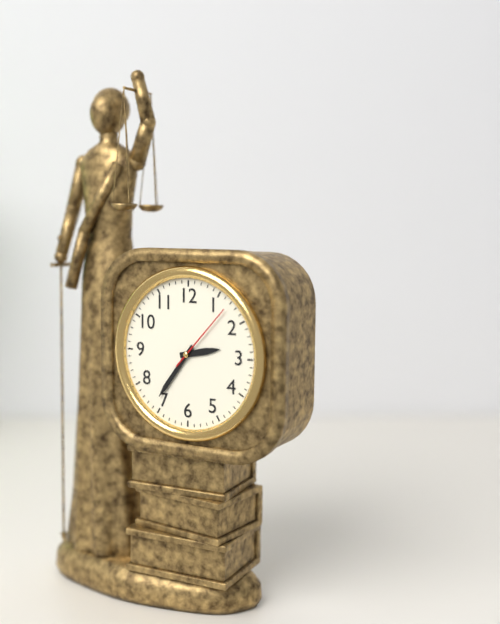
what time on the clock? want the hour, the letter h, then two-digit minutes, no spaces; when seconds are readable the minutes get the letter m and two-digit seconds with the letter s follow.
2h36m07s
